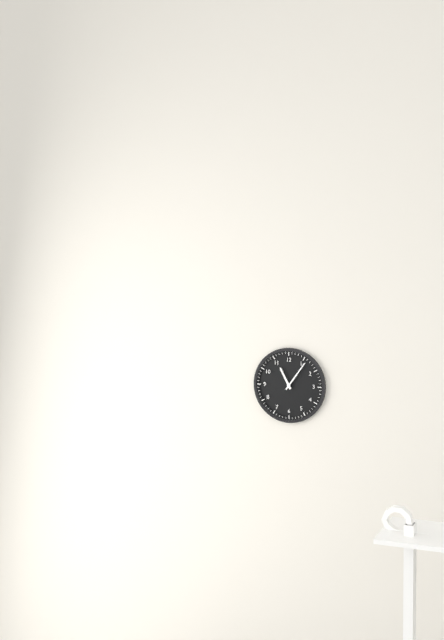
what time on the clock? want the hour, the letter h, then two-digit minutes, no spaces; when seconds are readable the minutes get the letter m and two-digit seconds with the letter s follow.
11h06
